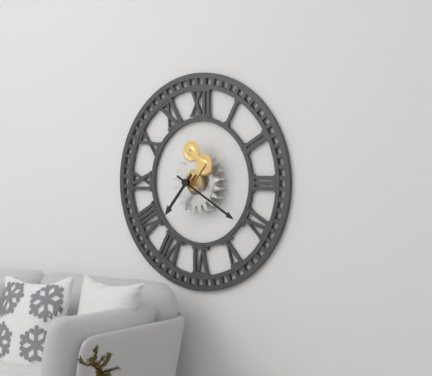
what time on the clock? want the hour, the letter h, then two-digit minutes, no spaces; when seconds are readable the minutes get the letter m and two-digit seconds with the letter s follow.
7h20
